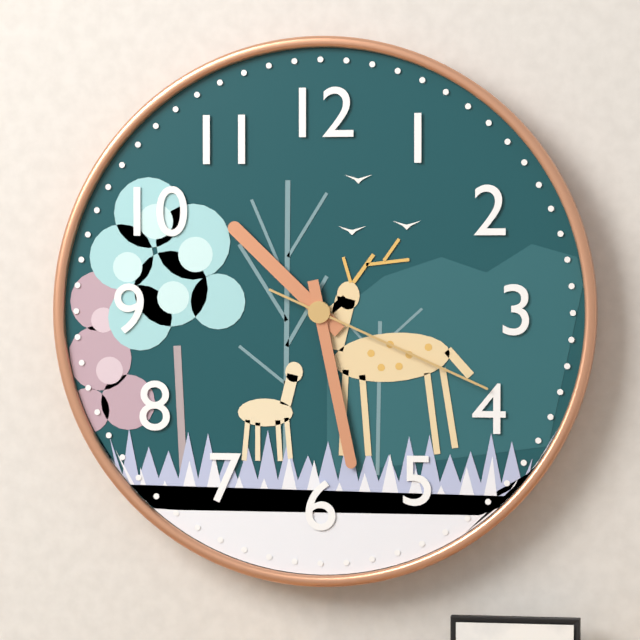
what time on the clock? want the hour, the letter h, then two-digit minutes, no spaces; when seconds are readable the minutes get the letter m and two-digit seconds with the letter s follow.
10h28m19s
